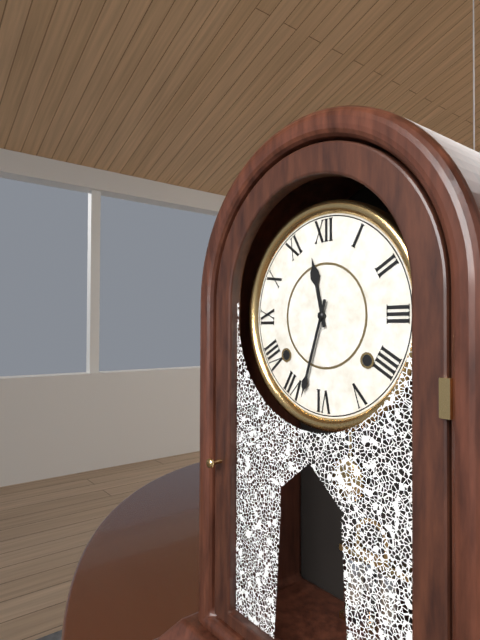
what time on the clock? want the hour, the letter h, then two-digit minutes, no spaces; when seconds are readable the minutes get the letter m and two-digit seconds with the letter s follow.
11h33
